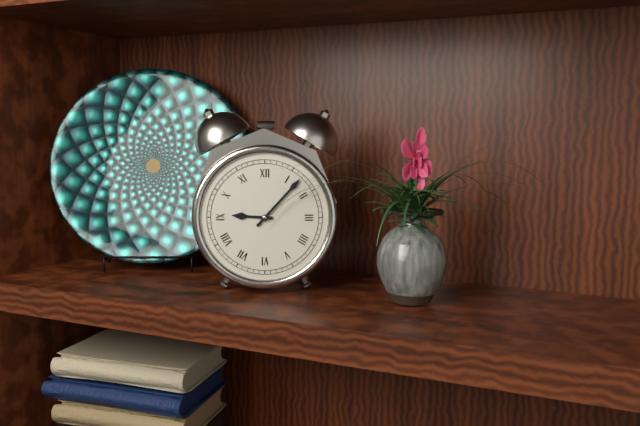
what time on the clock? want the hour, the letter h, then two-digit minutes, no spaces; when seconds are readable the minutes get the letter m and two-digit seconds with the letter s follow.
9h07
